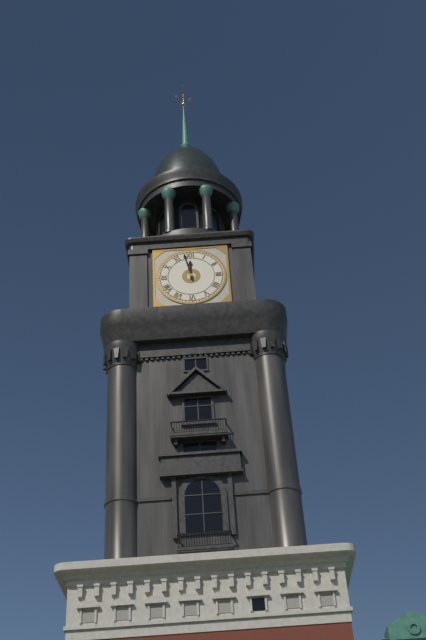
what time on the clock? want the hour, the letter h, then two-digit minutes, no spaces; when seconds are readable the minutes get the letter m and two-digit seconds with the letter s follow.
11h58
